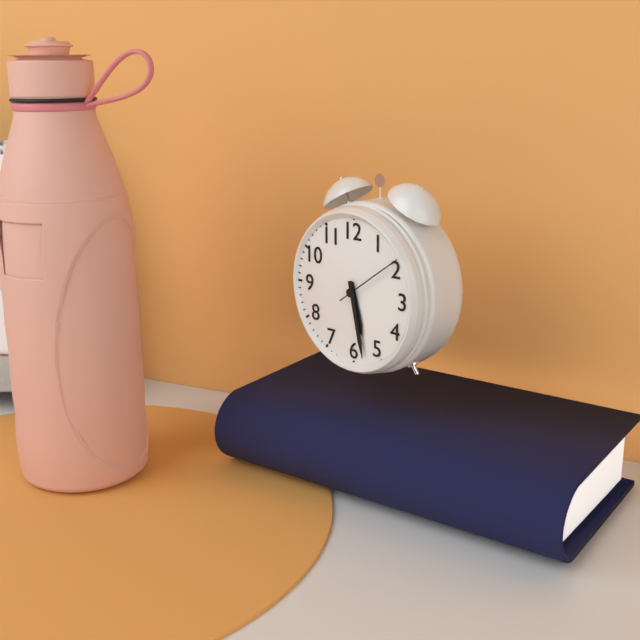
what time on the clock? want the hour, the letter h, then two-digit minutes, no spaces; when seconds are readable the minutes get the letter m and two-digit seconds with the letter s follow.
5h28m09s
